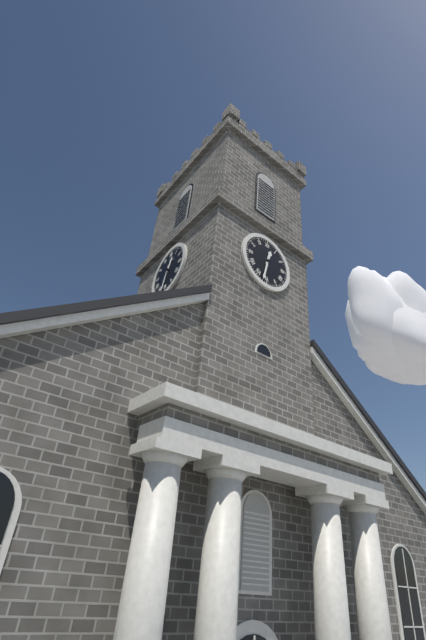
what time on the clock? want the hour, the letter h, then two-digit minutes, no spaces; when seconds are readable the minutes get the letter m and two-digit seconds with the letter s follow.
12h32
